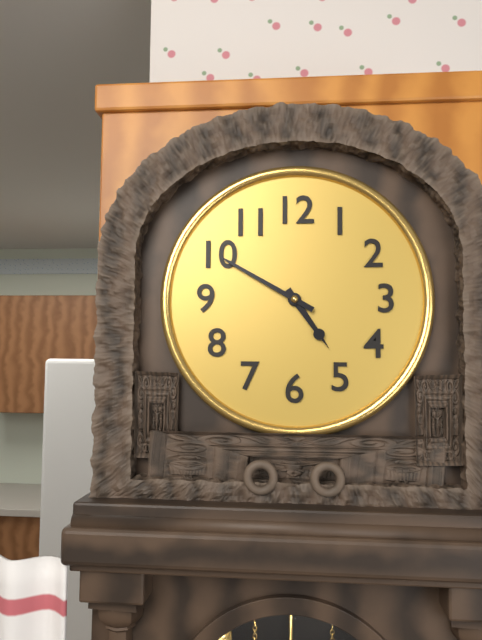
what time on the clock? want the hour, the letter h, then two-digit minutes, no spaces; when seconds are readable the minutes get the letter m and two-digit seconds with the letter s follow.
4h50
